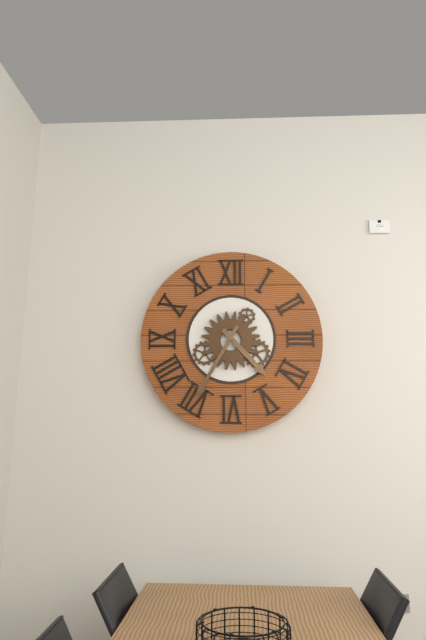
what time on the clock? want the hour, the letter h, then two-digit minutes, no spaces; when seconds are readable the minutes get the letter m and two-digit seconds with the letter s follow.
4h35
